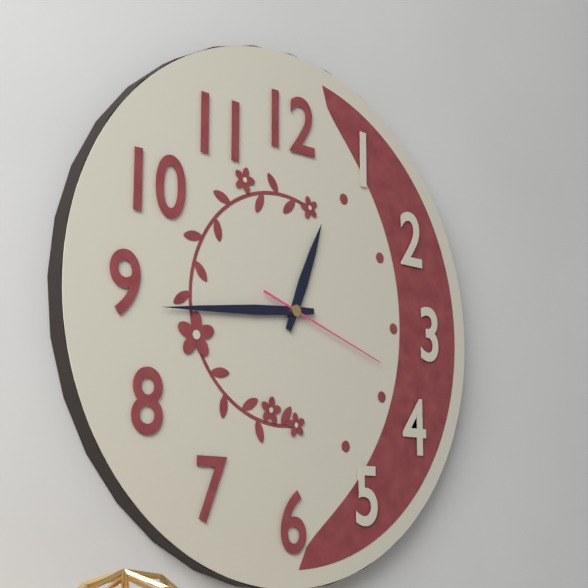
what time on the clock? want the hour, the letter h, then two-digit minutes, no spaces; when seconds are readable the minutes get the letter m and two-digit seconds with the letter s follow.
12h44m18s
